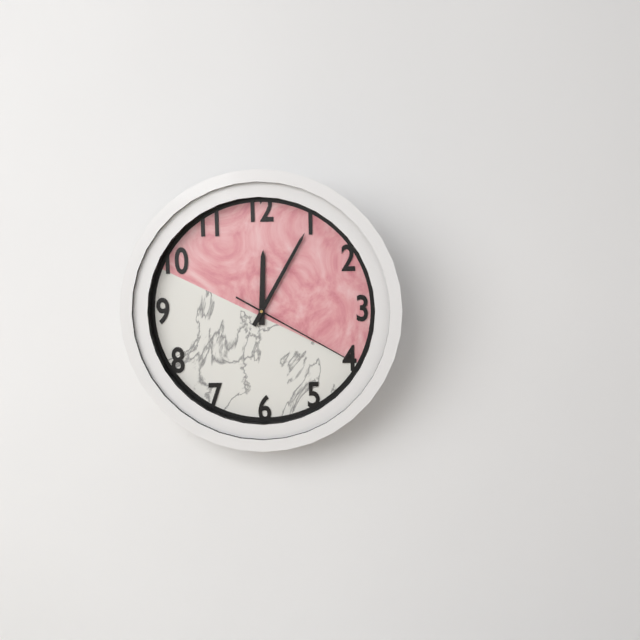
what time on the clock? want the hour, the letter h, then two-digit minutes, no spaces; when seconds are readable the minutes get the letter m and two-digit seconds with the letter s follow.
12h05m20s
